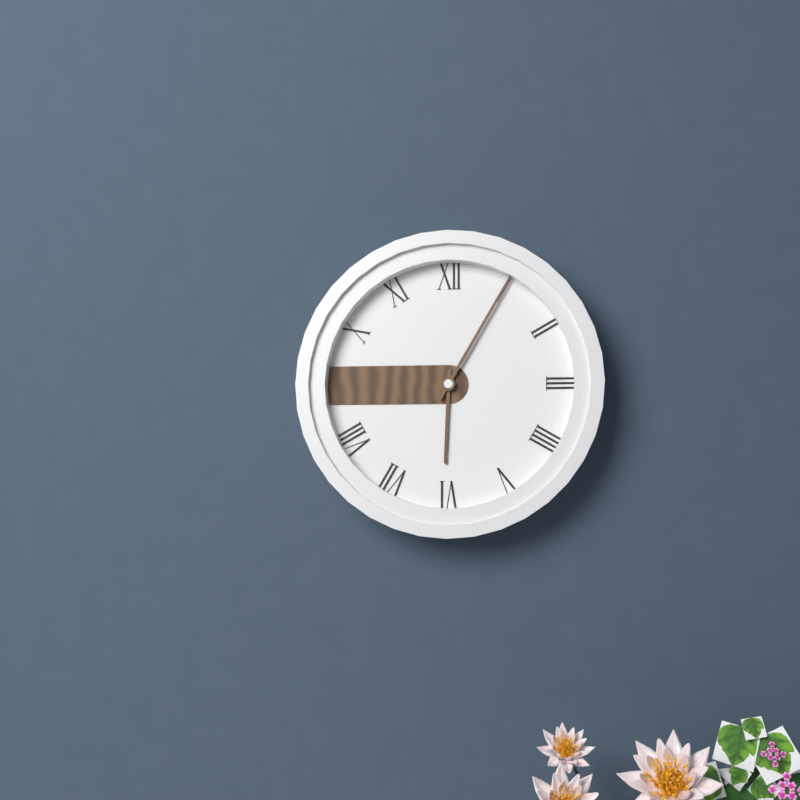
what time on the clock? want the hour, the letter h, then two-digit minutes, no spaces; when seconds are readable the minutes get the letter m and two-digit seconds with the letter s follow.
6h05
